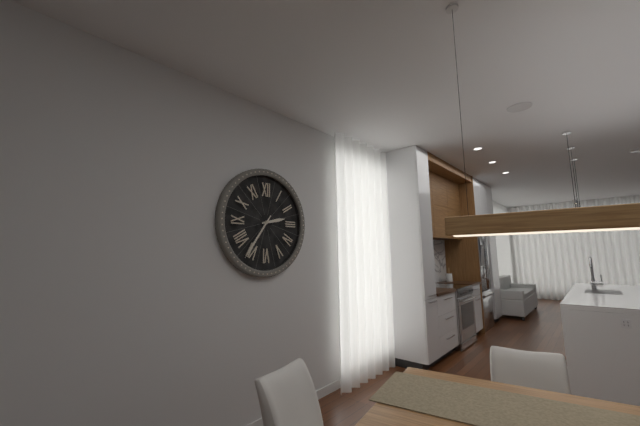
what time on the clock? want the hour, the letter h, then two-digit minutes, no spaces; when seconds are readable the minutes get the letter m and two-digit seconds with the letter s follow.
2h36
